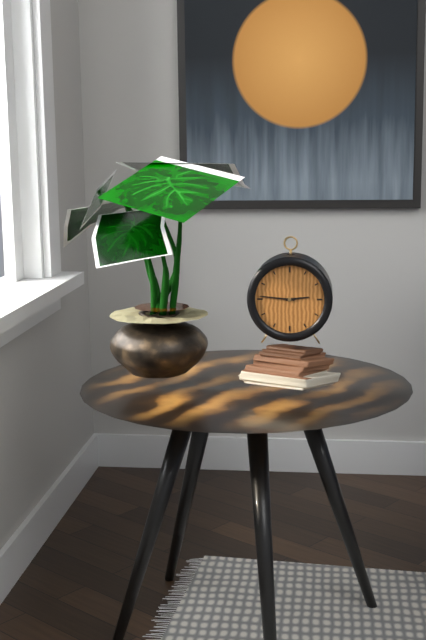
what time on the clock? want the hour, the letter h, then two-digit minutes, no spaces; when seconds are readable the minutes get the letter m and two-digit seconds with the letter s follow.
2h46
